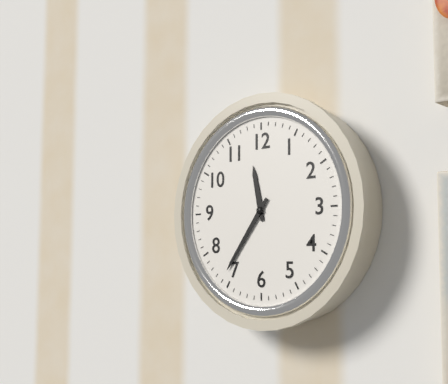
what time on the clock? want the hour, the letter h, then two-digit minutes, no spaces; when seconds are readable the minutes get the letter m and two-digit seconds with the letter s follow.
11h36
